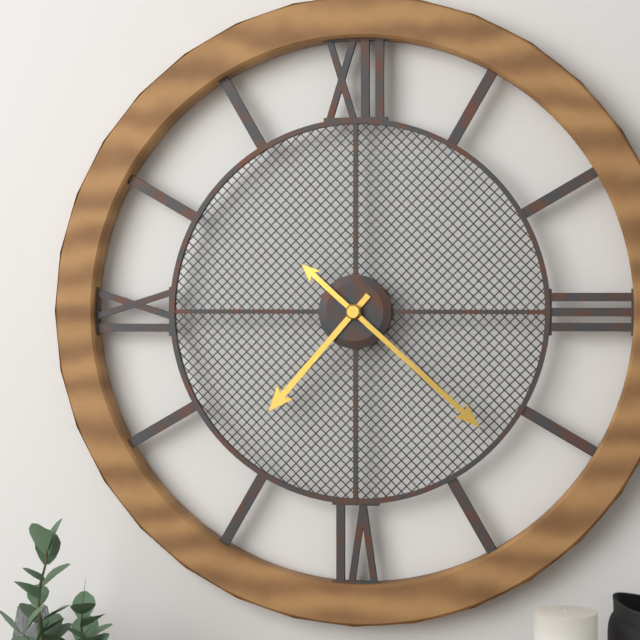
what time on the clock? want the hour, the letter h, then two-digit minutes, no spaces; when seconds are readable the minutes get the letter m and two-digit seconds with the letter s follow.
7h22
